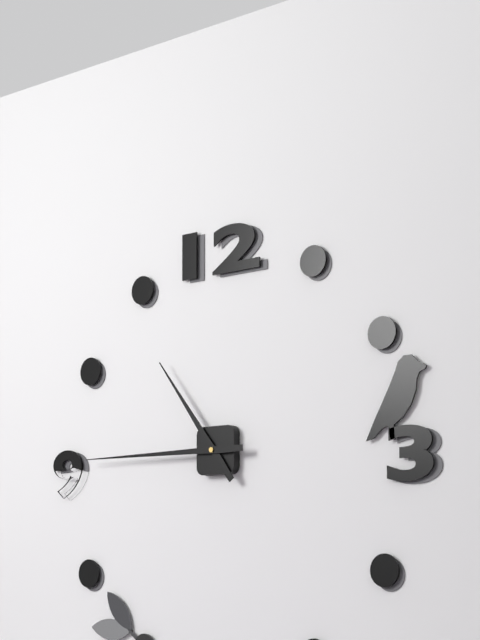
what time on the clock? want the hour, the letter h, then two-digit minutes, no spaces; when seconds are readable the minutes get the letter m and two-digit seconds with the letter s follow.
10h45
